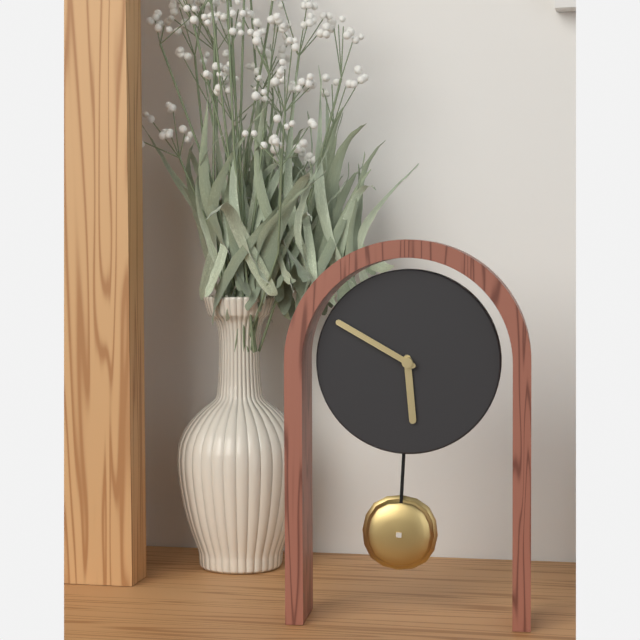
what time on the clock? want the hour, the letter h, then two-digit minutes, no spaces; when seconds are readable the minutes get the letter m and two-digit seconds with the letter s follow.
5h50
